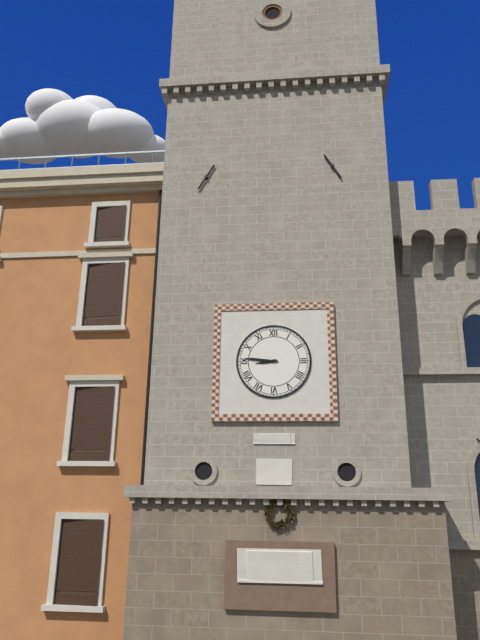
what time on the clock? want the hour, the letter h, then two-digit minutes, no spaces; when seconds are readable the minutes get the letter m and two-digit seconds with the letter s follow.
8h46
